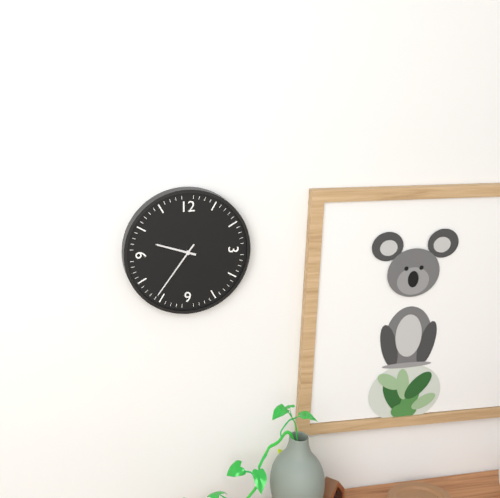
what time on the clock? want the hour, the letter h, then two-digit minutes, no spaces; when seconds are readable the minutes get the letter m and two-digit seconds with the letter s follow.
9h36
